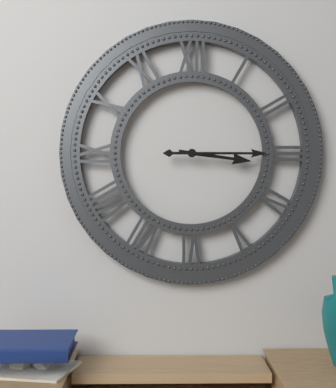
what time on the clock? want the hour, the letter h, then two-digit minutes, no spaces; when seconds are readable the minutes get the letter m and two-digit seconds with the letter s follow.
3h15
